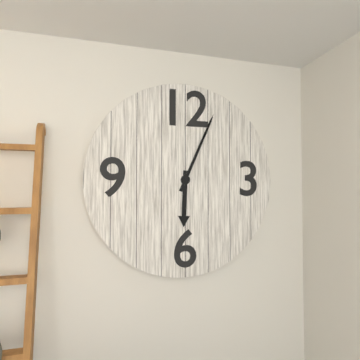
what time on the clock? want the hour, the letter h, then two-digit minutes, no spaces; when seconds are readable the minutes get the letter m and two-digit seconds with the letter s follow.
6h04
